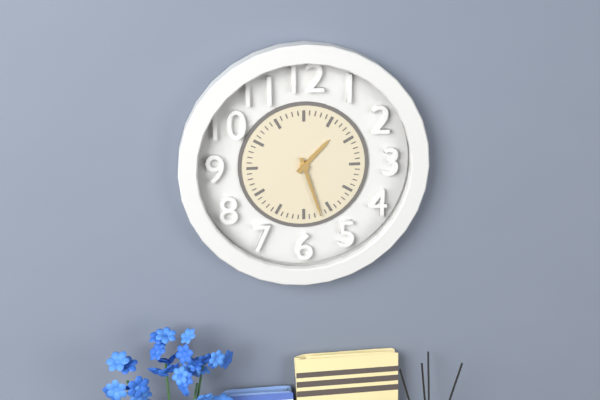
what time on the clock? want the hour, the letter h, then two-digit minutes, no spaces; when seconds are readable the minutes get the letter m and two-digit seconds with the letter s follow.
1h27
